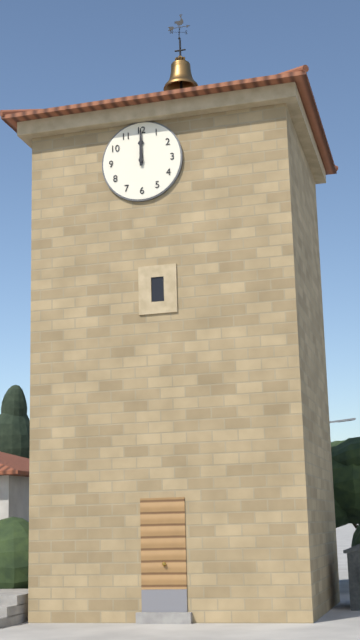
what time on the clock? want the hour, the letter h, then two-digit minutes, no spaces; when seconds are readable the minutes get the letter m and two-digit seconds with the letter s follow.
12h00
